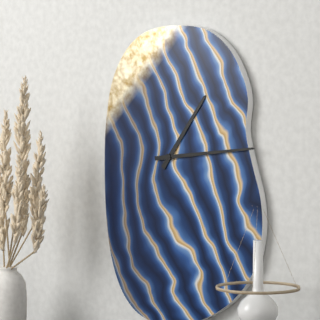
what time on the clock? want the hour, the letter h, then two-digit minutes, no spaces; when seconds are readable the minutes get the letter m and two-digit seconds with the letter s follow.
1h14
